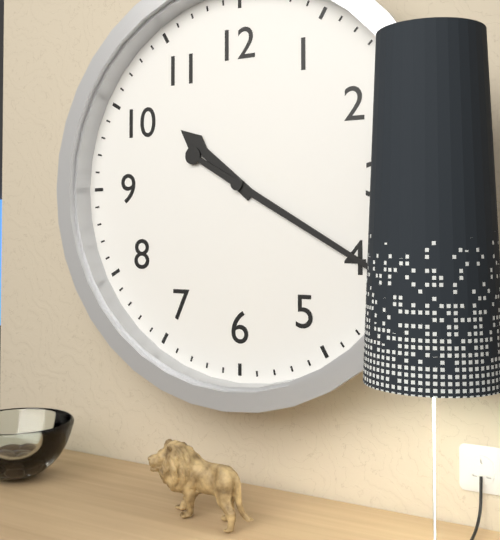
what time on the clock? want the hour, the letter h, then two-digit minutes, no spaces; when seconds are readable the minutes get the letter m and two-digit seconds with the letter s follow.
10h20
